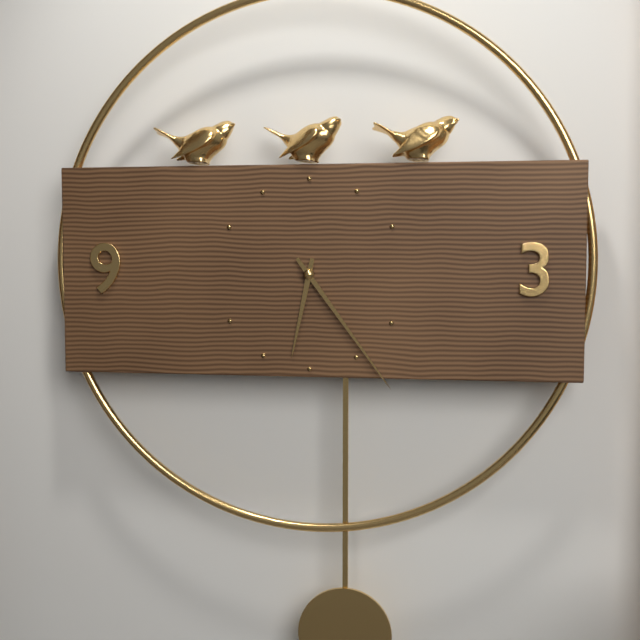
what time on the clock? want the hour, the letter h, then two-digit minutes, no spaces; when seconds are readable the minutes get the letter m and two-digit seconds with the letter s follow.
6h24
